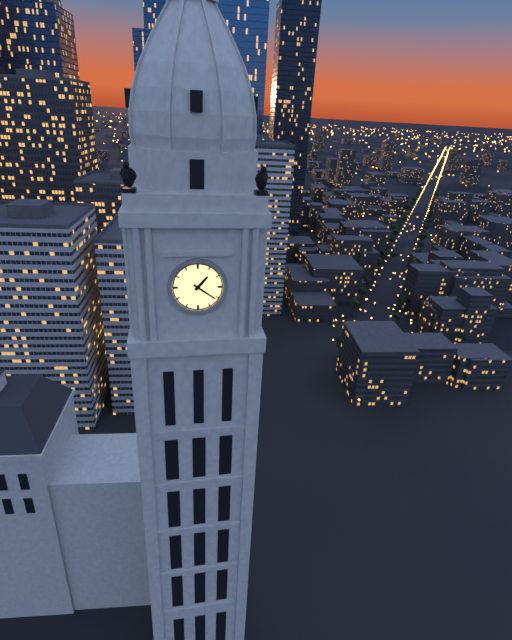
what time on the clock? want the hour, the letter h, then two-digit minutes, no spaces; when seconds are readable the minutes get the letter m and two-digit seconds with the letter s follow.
1h21
